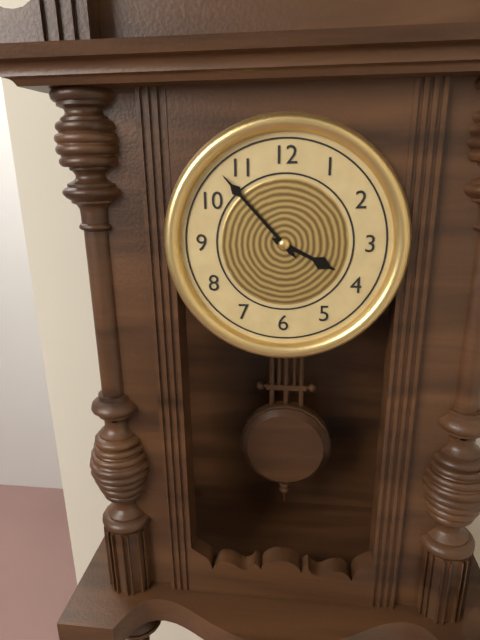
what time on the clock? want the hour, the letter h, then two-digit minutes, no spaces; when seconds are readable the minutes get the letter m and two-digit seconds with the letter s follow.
3h53
